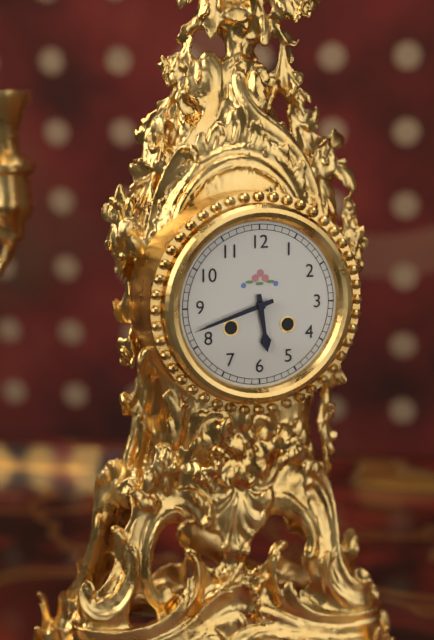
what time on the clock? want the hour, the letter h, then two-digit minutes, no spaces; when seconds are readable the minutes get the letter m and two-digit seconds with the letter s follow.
5h42
